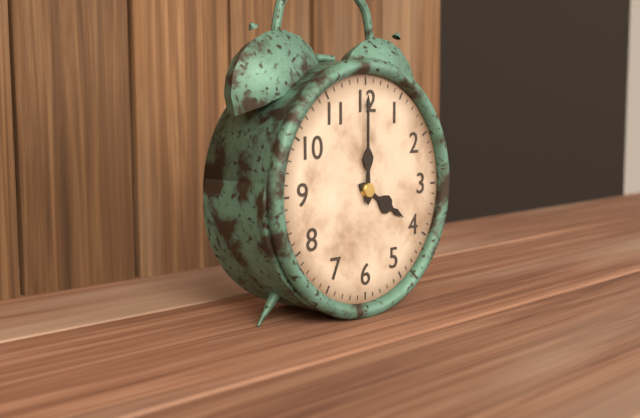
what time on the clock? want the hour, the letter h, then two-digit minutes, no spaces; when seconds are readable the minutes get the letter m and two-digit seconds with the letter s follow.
4h00
